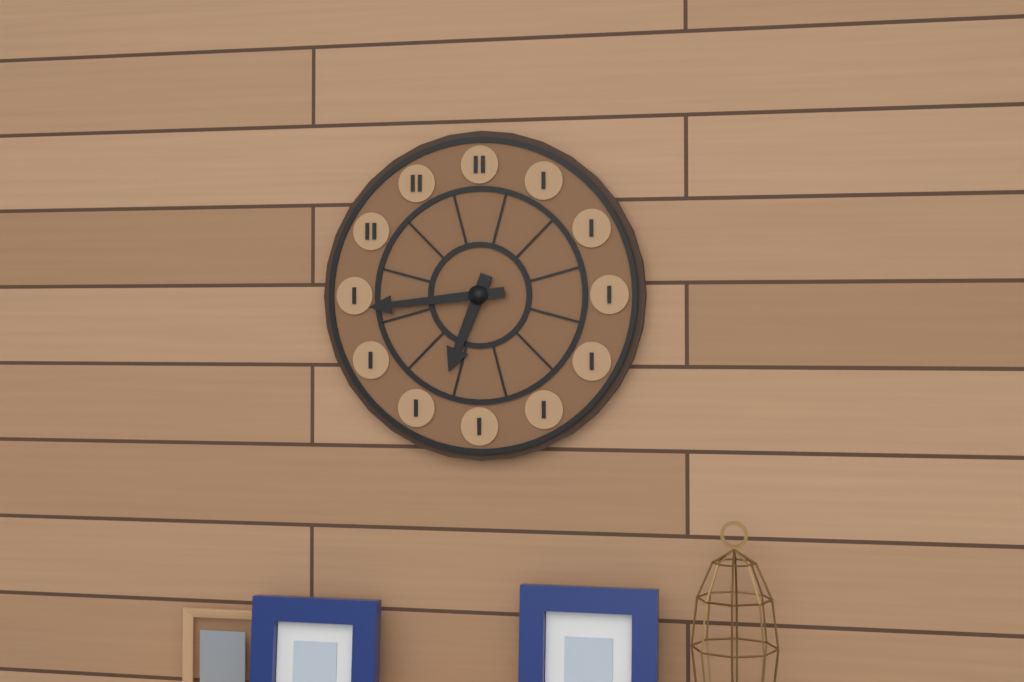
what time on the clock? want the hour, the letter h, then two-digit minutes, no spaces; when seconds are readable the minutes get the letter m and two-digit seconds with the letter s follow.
6h44
